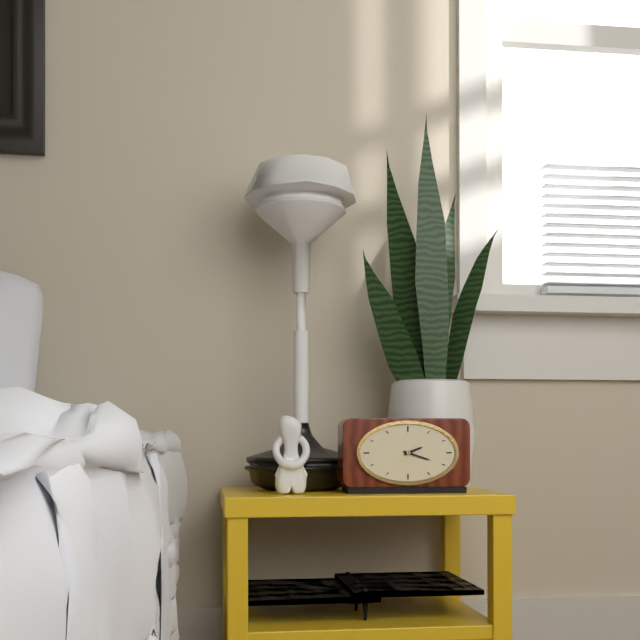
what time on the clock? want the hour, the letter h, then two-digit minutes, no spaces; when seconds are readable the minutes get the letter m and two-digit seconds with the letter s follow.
2h18
